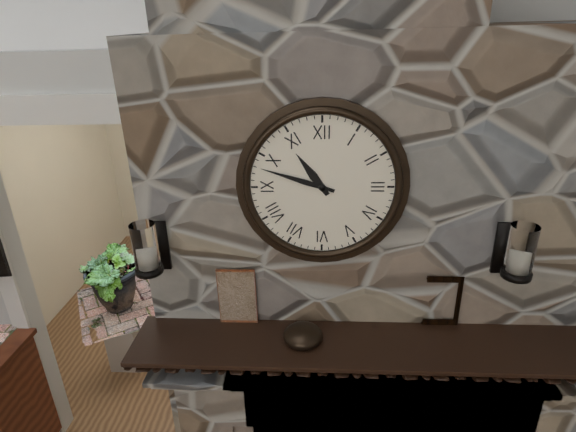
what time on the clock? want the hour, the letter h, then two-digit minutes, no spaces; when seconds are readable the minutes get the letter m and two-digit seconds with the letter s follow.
10h48
